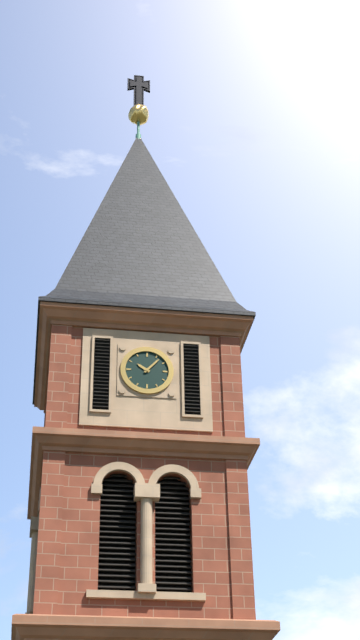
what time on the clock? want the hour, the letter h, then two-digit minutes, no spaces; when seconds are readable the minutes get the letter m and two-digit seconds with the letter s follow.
10h07
